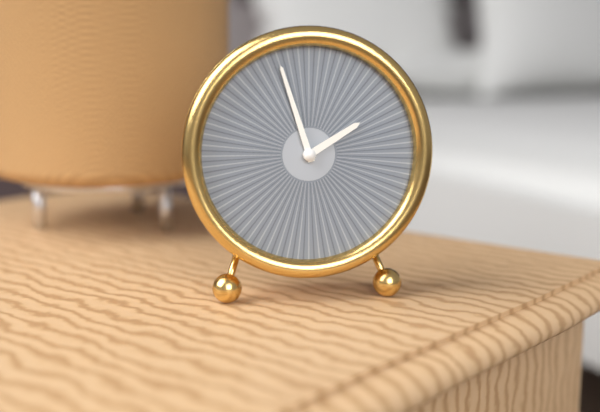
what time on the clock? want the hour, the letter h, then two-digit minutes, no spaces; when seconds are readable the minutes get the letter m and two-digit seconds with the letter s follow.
1h57
